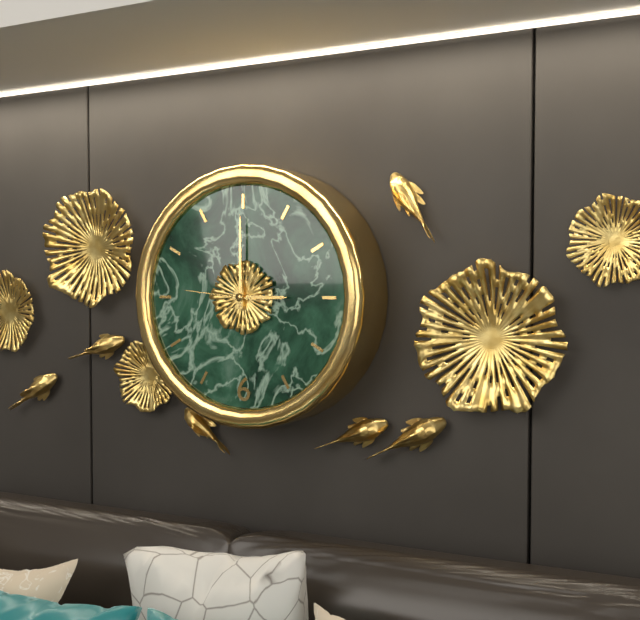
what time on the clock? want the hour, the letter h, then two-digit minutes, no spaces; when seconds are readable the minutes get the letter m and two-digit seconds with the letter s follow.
3h00m46s
